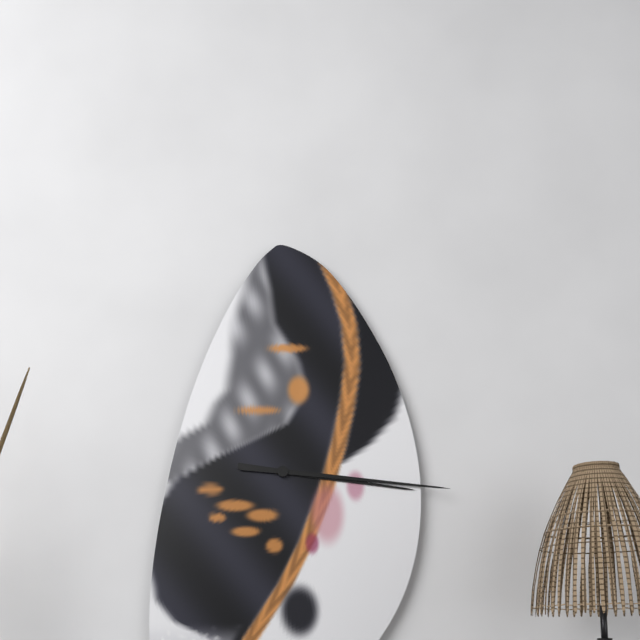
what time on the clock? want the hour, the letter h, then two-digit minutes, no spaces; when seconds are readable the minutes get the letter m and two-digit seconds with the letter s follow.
3h16
